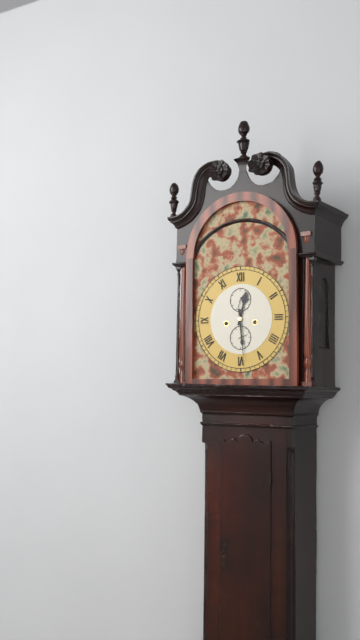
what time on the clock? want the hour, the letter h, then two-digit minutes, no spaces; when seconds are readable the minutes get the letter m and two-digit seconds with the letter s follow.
12h29
